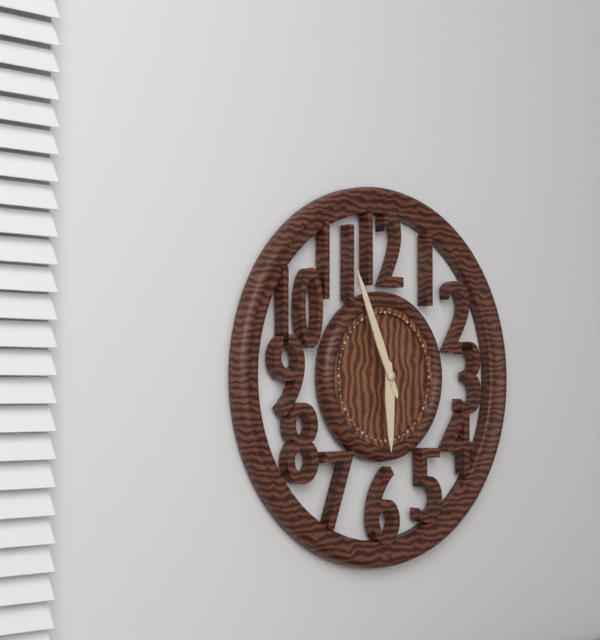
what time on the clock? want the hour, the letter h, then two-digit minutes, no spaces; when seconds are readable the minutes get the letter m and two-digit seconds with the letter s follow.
5h56
